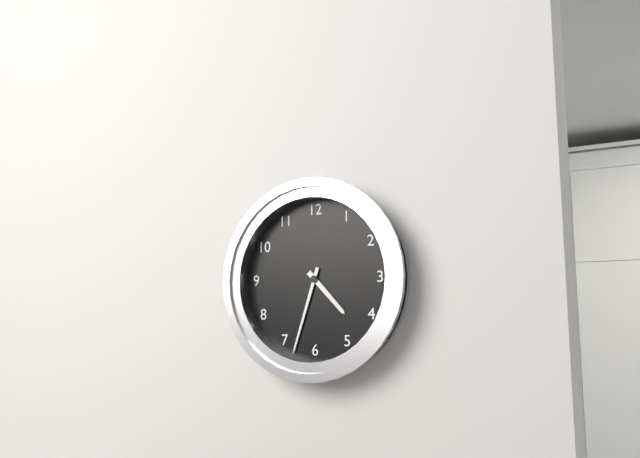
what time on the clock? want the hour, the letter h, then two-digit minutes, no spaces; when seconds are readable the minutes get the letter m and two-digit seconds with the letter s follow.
4h33
